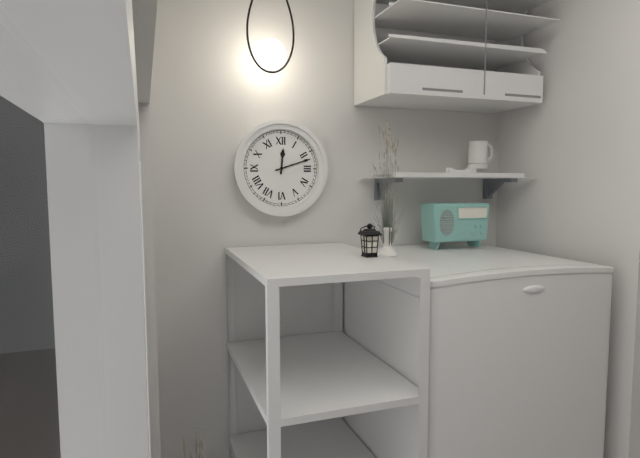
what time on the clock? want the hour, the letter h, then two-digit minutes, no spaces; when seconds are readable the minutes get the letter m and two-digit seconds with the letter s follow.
12h12
